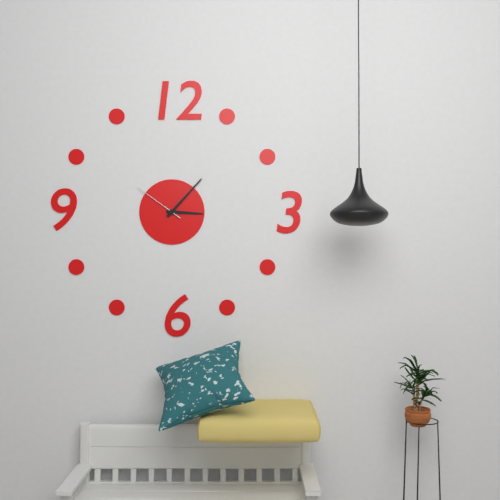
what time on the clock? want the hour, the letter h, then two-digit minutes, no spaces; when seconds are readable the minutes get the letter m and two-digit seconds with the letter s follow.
3h07m51s
